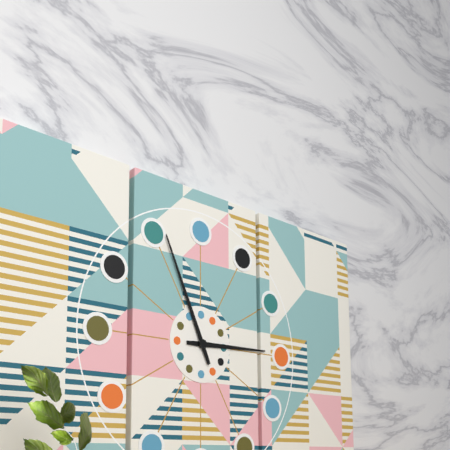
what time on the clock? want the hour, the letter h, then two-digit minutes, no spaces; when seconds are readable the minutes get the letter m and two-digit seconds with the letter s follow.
2h56
